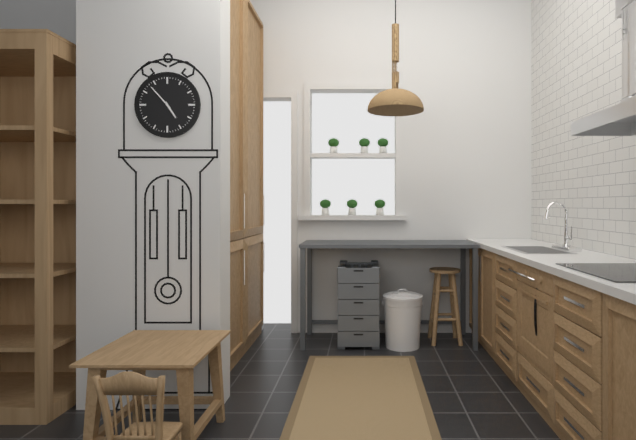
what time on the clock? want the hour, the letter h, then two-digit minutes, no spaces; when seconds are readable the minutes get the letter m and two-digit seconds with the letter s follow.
4h53
